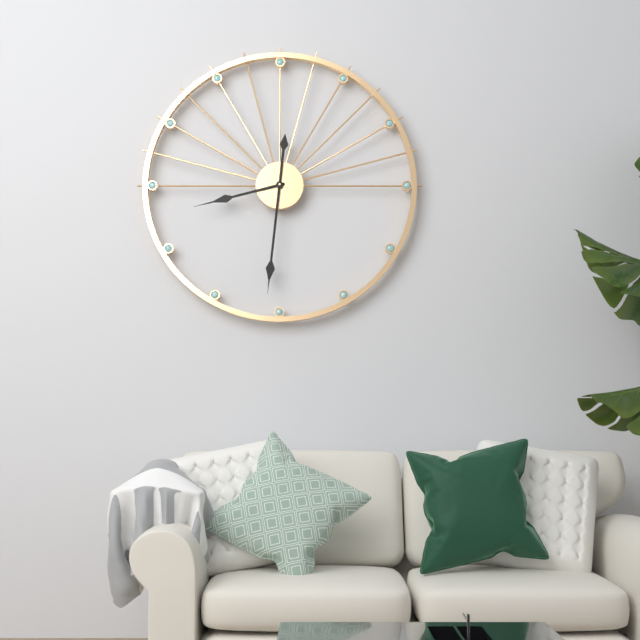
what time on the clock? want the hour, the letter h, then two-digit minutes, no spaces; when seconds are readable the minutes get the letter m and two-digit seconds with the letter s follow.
8h31
